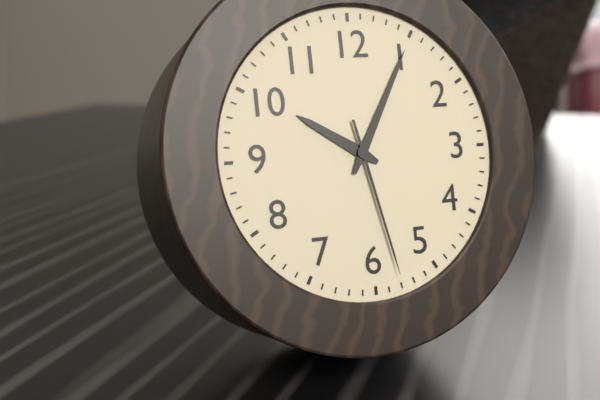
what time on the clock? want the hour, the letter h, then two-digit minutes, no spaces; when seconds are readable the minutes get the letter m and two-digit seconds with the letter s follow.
10h05m28s
